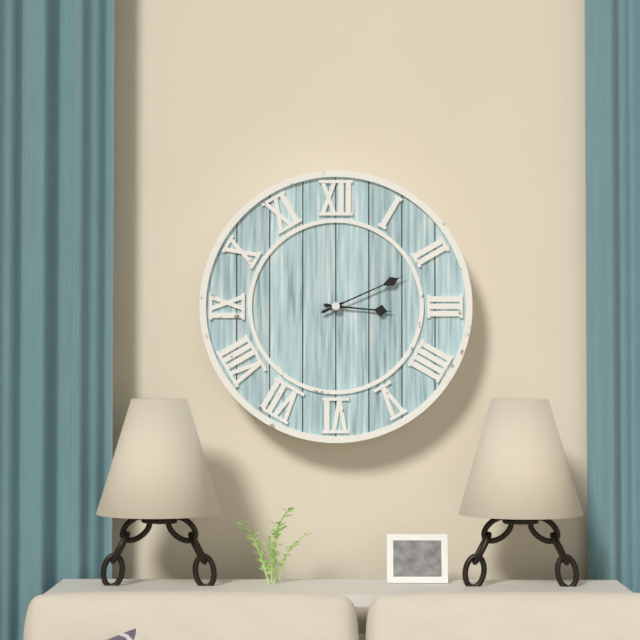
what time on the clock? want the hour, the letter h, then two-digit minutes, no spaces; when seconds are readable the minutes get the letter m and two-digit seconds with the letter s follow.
3h11
